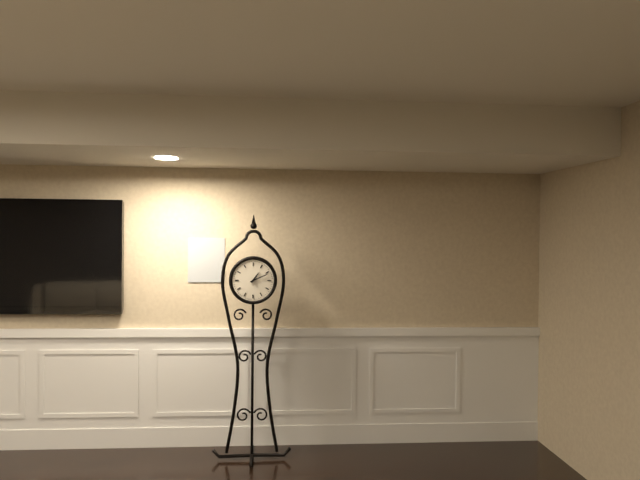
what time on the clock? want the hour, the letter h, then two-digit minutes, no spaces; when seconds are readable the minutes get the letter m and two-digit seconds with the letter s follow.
1h11
